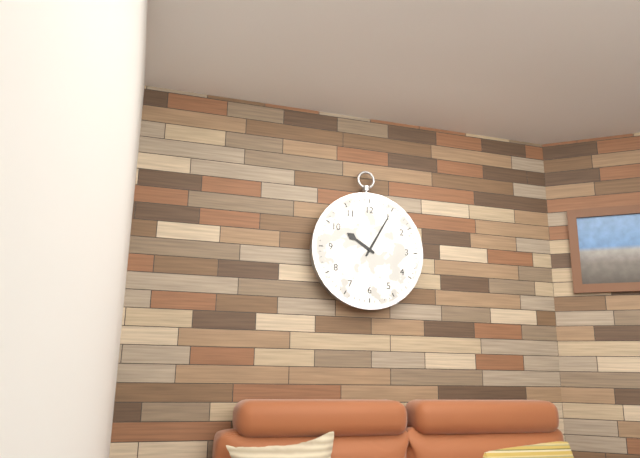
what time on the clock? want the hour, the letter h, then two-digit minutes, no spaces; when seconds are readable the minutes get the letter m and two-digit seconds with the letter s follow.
10h05
